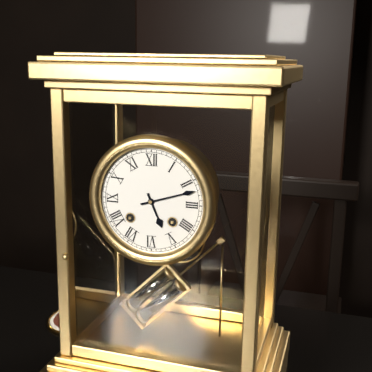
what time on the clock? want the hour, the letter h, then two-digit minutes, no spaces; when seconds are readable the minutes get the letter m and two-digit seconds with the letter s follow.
5h12
